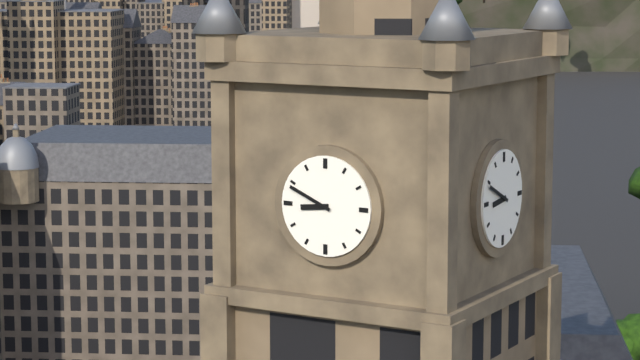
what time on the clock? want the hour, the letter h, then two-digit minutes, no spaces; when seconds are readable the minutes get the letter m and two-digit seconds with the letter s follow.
8h49
